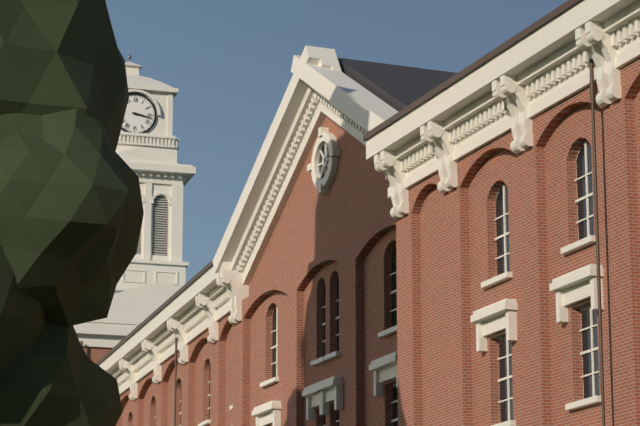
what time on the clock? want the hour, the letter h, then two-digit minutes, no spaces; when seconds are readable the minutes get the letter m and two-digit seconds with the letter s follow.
3h17
